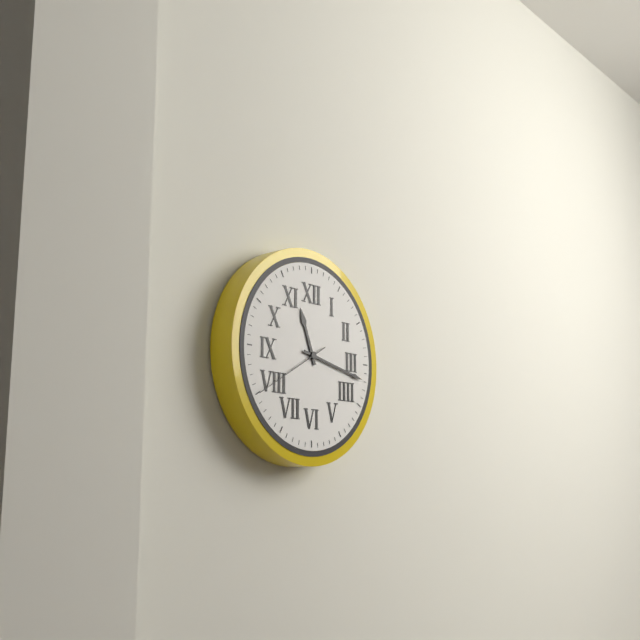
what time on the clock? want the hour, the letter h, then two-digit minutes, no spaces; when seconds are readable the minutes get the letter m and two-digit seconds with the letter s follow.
11h17m40s
